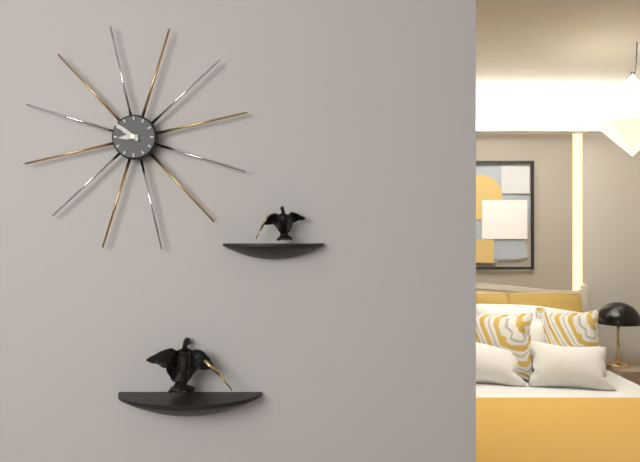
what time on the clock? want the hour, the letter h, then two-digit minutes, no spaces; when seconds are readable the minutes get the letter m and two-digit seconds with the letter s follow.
8h51
